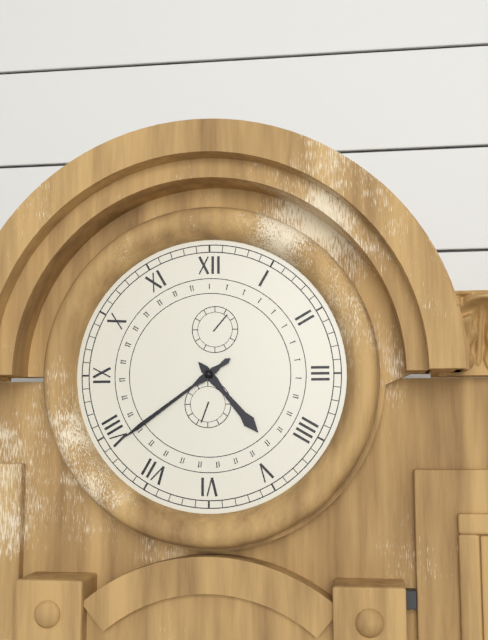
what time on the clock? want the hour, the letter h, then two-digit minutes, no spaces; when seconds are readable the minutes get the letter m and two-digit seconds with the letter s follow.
4h39
